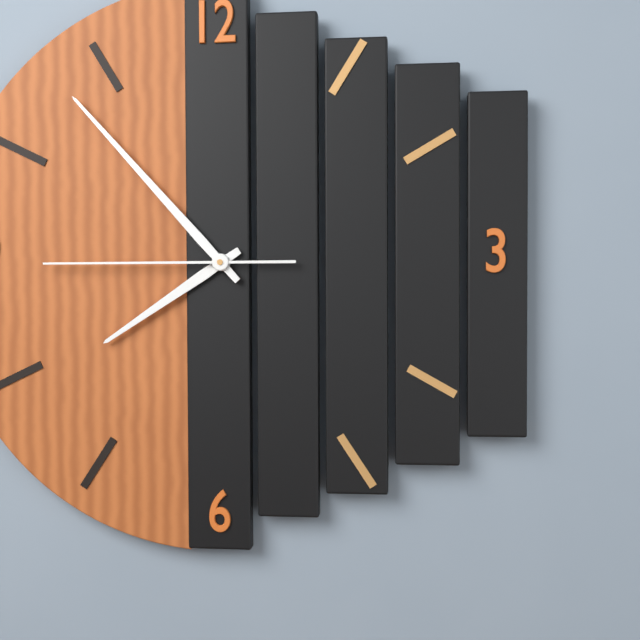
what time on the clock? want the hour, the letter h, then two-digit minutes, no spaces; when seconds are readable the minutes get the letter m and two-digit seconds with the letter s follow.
7h53m45s
